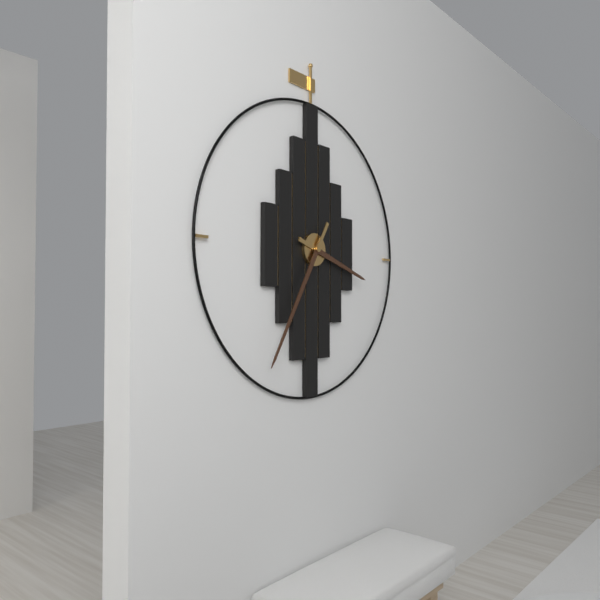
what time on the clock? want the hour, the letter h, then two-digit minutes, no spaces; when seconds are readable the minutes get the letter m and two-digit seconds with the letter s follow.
3h35
